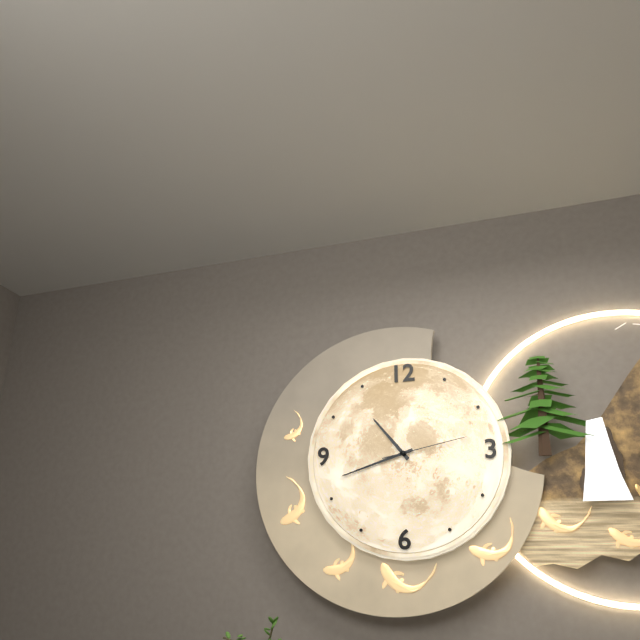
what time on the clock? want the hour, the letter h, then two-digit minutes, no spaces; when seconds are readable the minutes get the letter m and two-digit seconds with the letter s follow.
10h42m13s
